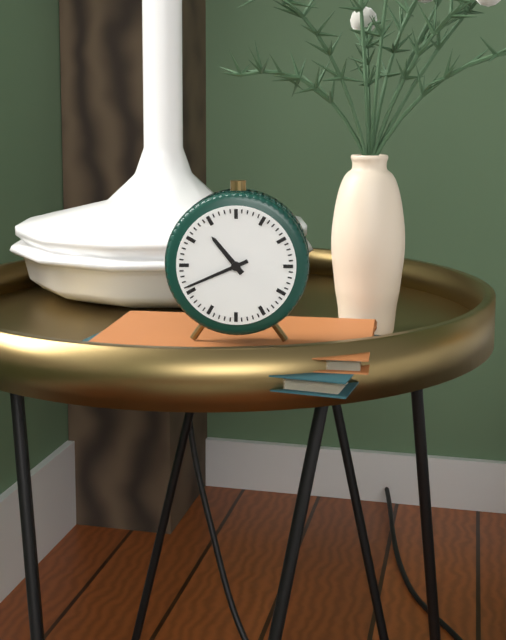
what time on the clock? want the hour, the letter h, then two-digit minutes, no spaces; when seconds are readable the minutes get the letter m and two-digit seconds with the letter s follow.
10h41
